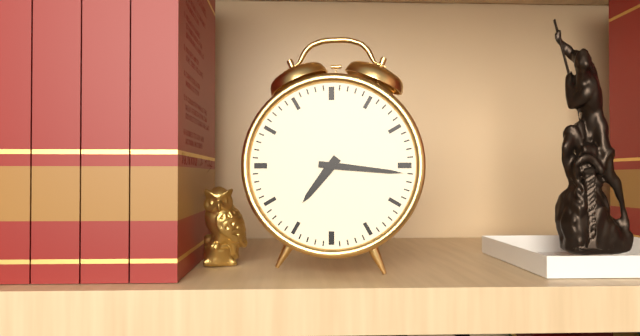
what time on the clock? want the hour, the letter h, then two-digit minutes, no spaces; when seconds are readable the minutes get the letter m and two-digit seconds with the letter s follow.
7h16
